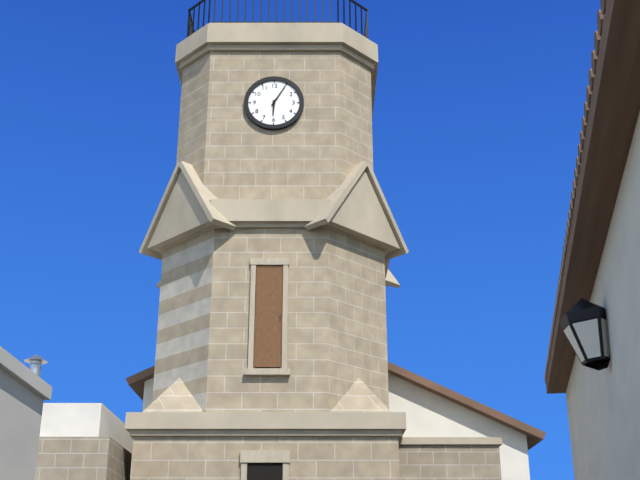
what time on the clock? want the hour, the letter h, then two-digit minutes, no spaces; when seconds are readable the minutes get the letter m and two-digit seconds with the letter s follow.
6h05
